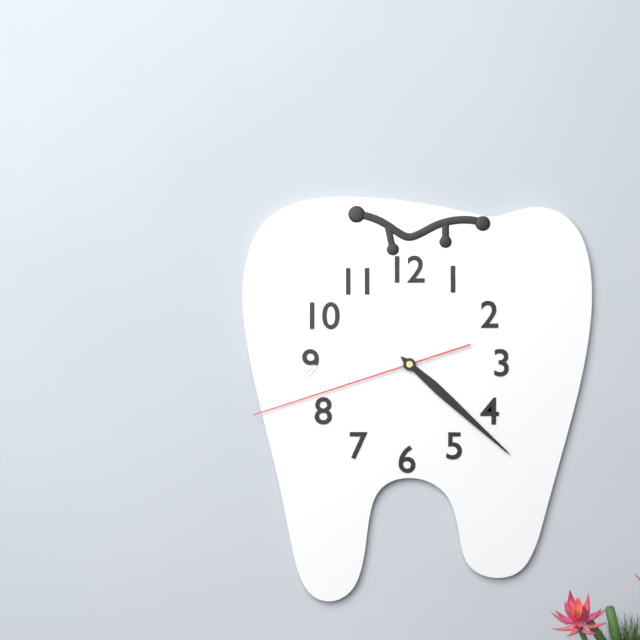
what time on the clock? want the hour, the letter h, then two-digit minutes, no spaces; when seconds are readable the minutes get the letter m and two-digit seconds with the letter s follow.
4h22m42s
